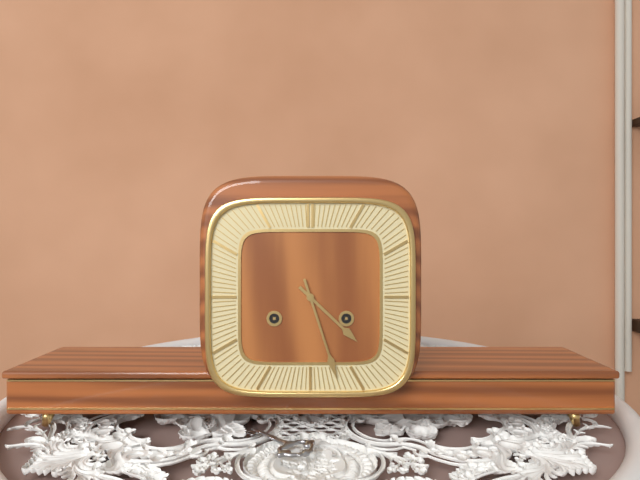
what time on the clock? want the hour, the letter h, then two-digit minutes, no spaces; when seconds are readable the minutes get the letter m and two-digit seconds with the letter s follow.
4h27
